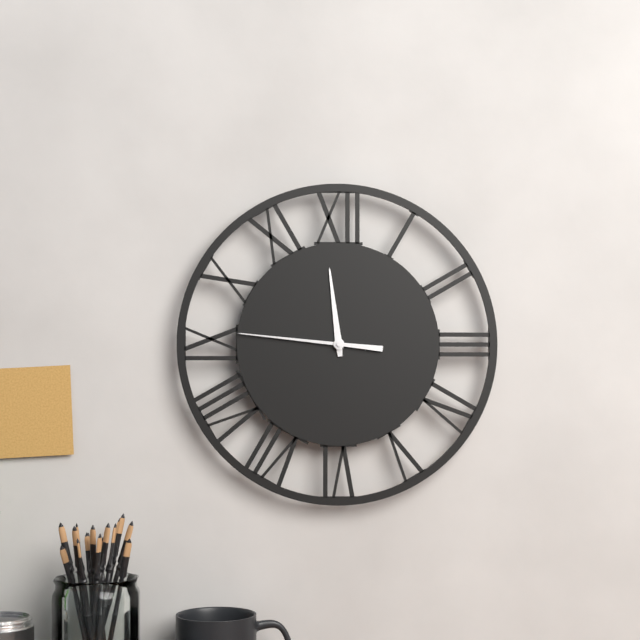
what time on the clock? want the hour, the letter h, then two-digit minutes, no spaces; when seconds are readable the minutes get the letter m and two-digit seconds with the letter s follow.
11h46
